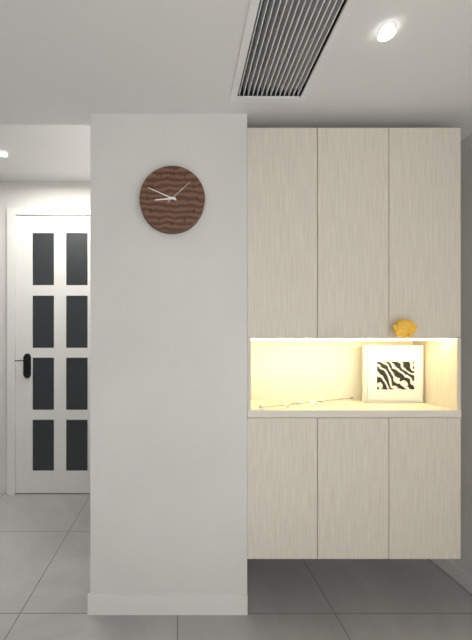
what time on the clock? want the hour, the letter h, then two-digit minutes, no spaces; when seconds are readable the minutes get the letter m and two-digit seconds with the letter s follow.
8h49
